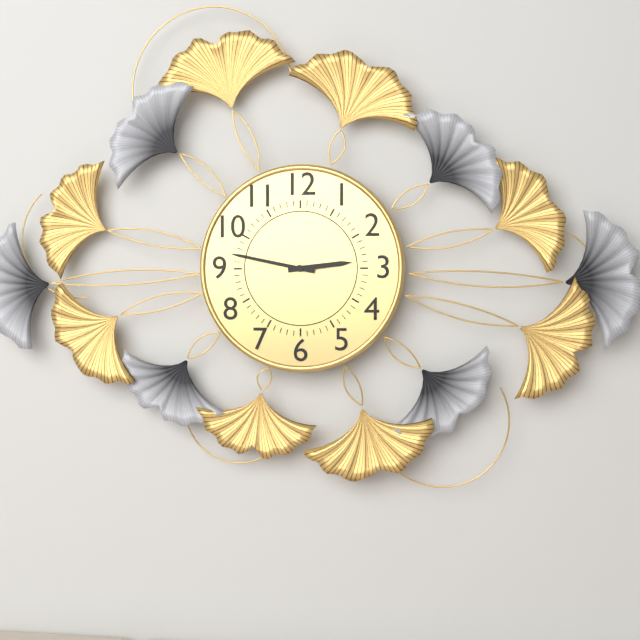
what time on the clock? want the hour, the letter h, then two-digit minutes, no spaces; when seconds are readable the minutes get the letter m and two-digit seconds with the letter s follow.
2h47
